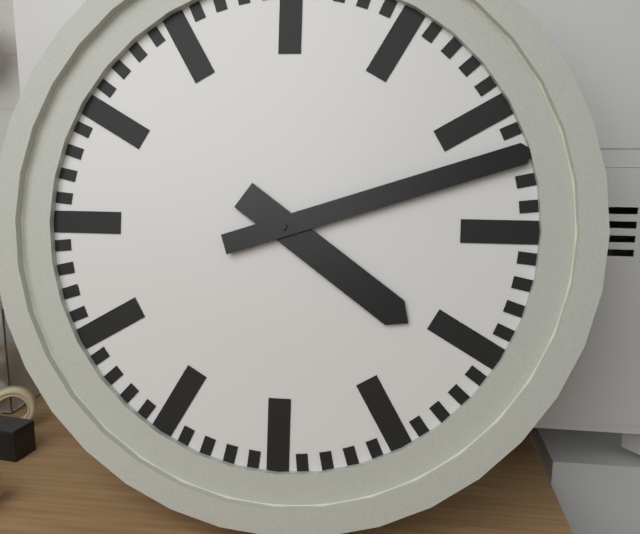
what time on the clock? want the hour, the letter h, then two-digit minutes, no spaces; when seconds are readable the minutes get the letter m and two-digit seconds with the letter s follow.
4h12
